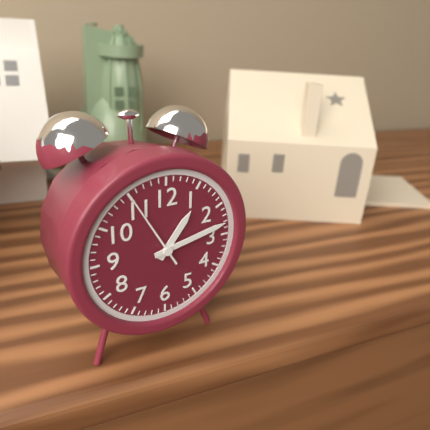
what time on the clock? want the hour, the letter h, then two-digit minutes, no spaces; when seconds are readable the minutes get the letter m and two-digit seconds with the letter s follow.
1h13m55s
